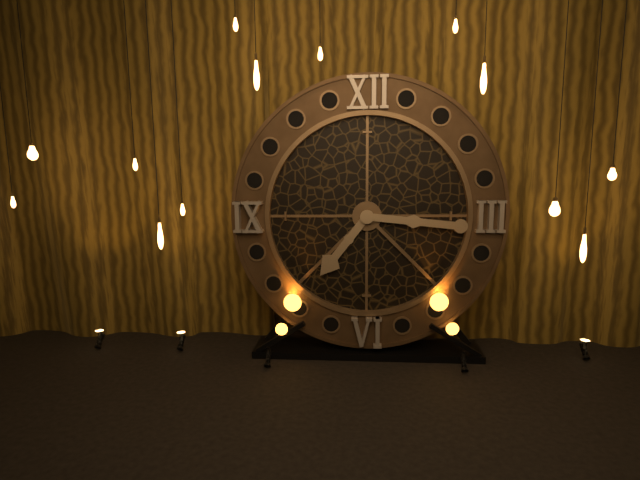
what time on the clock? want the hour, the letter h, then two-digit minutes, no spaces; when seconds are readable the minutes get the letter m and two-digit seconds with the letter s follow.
7h16
